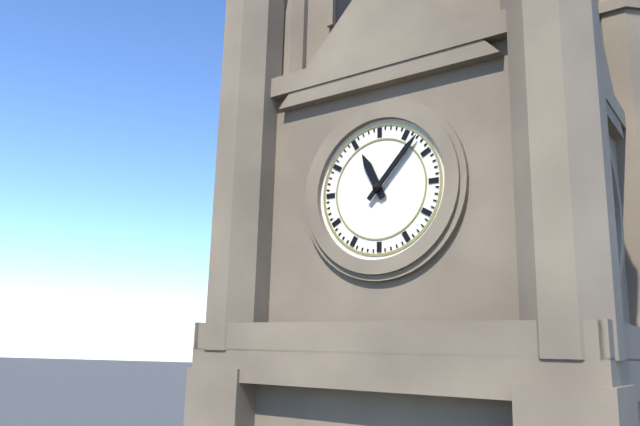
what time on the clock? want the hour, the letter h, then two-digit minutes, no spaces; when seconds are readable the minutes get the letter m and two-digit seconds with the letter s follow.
11h07
